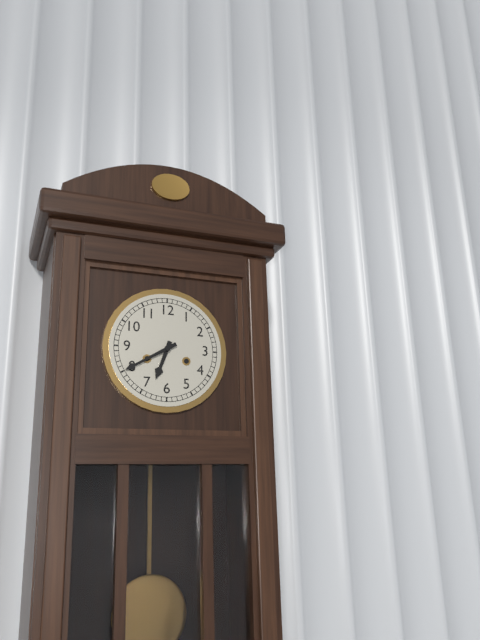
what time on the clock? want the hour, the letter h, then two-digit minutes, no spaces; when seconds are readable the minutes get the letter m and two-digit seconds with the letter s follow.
6h40
